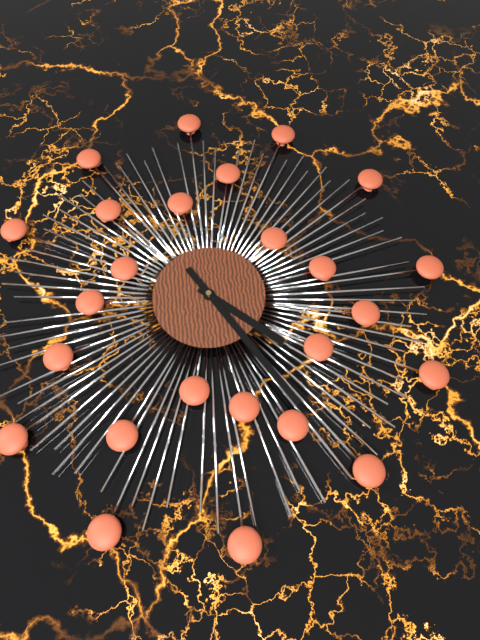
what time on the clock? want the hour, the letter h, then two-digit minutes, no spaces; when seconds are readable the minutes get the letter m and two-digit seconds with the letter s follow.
4h25
